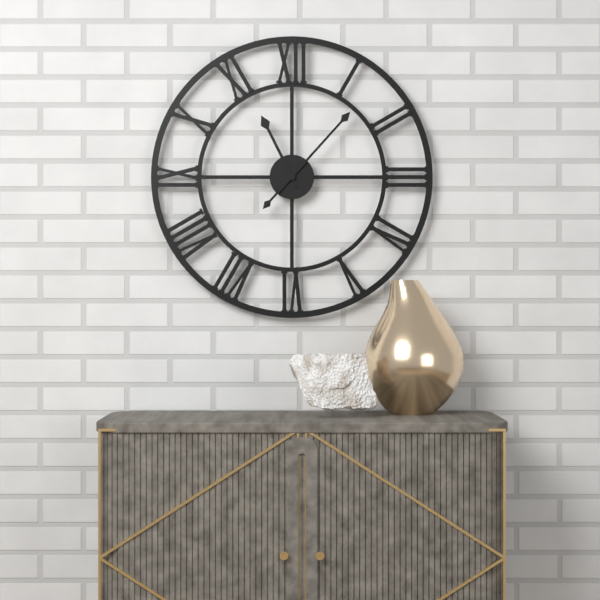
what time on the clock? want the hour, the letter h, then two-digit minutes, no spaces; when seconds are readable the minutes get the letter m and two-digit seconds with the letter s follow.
11h07
